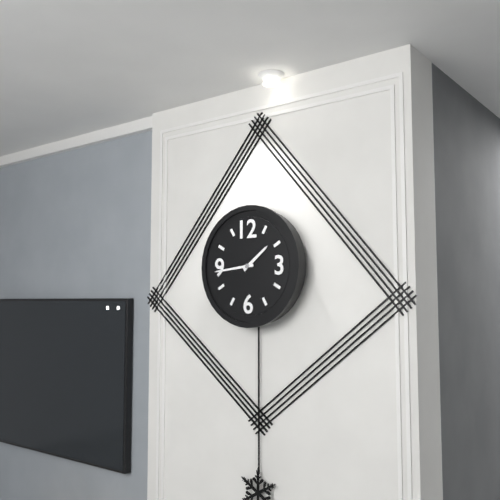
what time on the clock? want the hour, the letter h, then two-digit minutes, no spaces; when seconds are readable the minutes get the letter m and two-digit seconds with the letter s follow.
1h44
